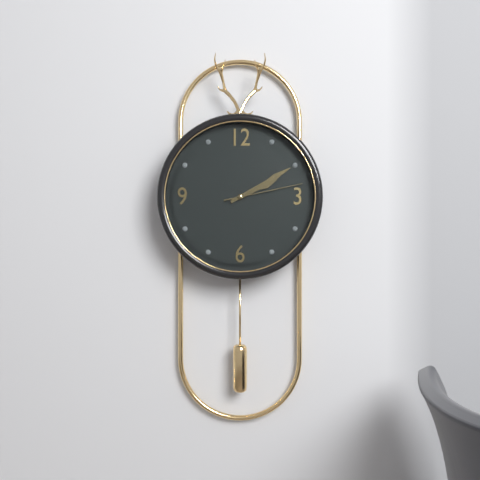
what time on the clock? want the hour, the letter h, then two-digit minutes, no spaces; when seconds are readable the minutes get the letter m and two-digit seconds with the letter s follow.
2h10m13s
